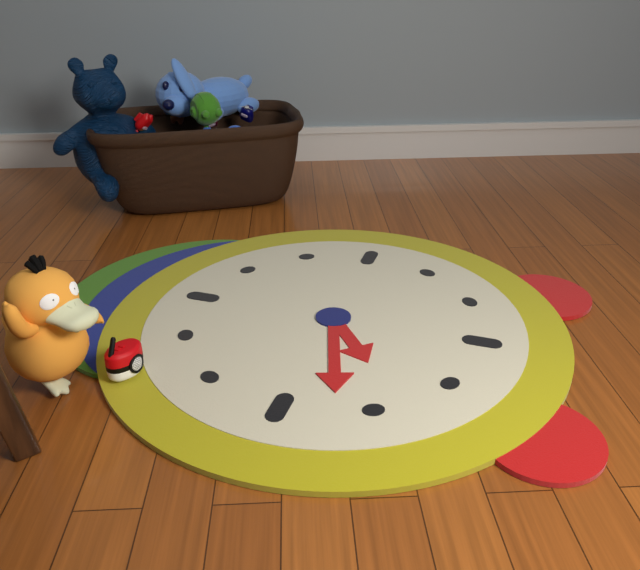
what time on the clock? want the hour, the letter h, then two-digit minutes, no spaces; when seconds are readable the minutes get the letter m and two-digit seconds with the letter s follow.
7h42
